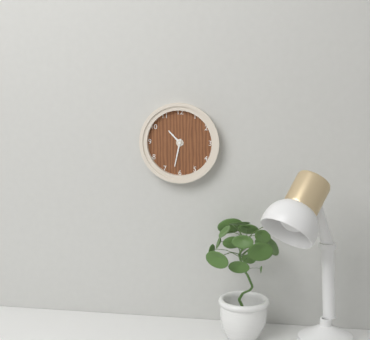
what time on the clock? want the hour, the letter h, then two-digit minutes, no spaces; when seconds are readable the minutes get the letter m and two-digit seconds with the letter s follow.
10h32
